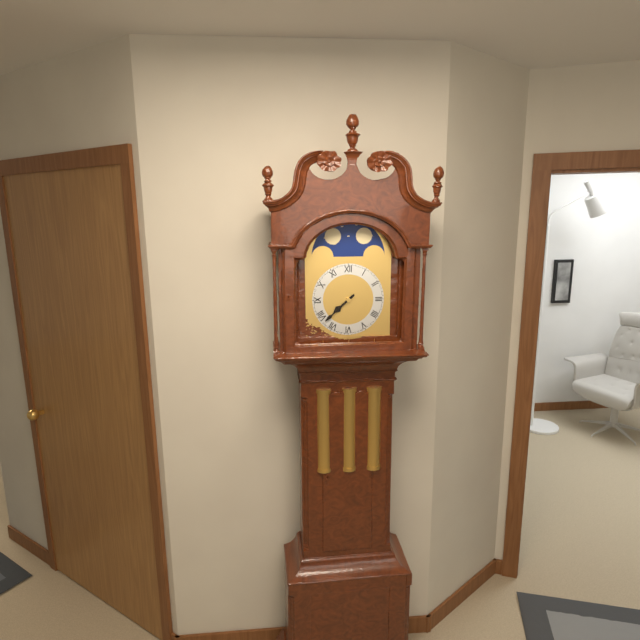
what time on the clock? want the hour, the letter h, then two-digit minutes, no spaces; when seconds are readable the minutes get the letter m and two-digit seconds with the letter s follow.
7h38
